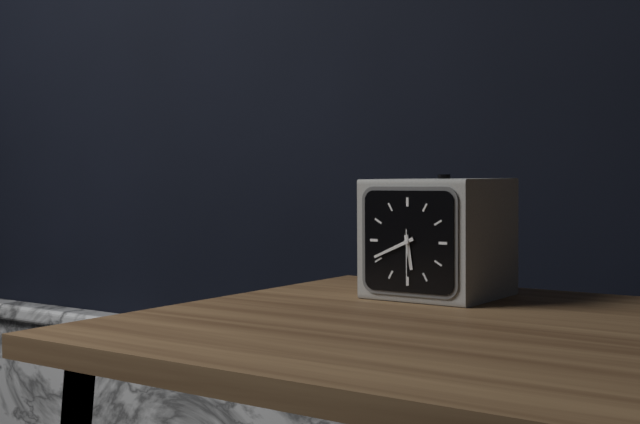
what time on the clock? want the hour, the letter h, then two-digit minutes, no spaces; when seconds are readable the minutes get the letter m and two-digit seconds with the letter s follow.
5h41m30s
